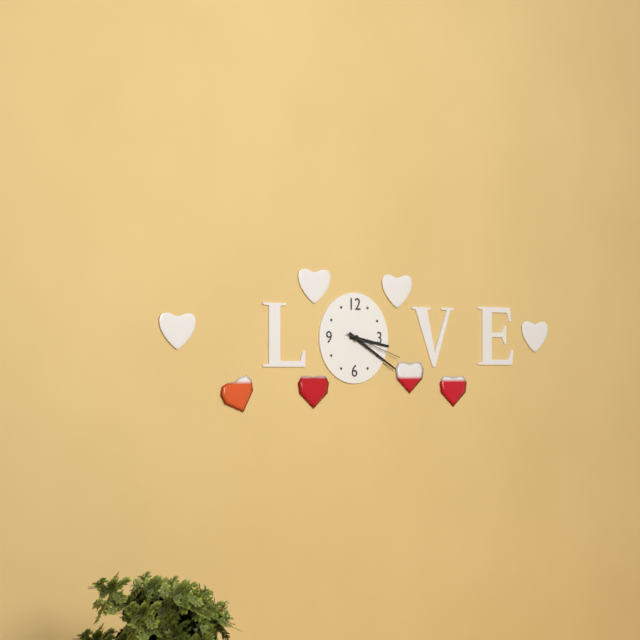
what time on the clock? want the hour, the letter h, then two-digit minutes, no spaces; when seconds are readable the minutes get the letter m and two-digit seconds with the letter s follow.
3h20m18s
